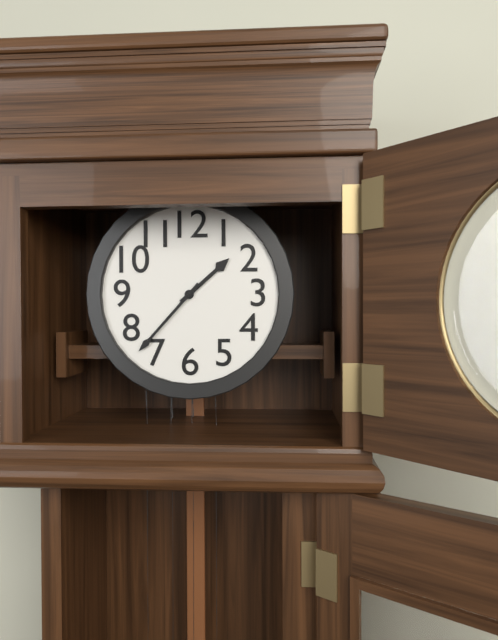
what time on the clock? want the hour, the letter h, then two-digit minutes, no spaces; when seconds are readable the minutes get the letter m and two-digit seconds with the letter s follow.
1h37
